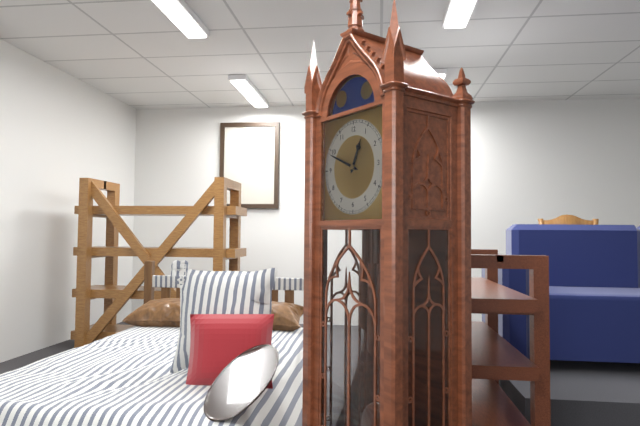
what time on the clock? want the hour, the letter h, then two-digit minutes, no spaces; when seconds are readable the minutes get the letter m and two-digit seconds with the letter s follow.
12h49
